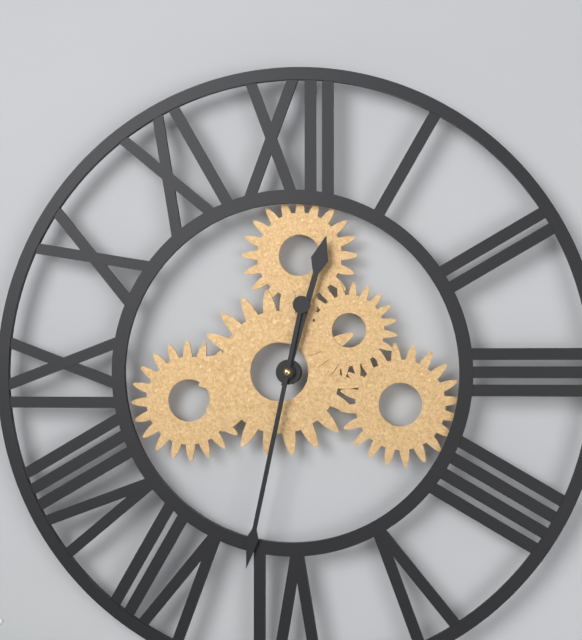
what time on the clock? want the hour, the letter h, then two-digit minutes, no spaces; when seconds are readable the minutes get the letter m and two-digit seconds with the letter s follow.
12h32
